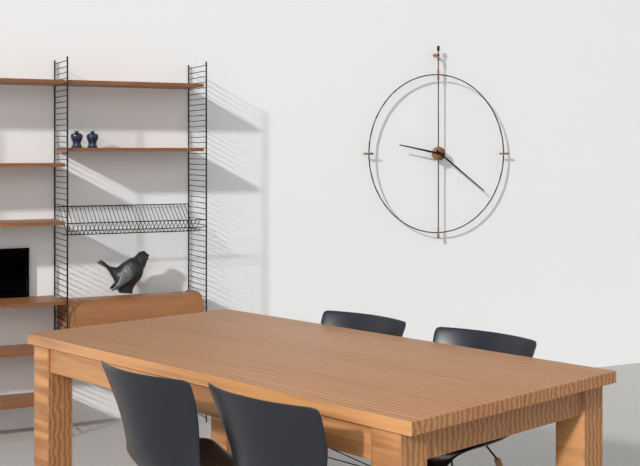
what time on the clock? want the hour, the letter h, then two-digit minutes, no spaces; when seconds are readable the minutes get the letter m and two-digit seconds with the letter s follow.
9h21
